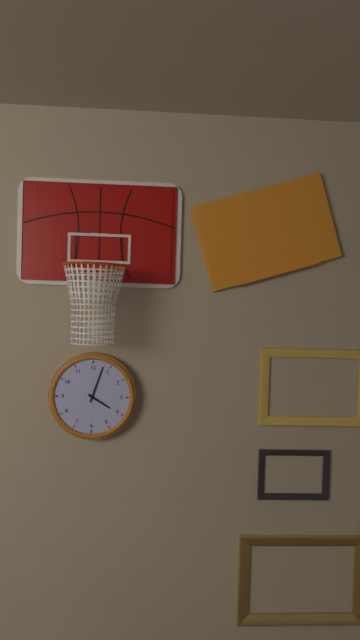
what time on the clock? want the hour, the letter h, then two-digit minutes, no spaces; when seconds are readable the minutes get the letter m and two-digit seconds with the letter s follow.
4h03
